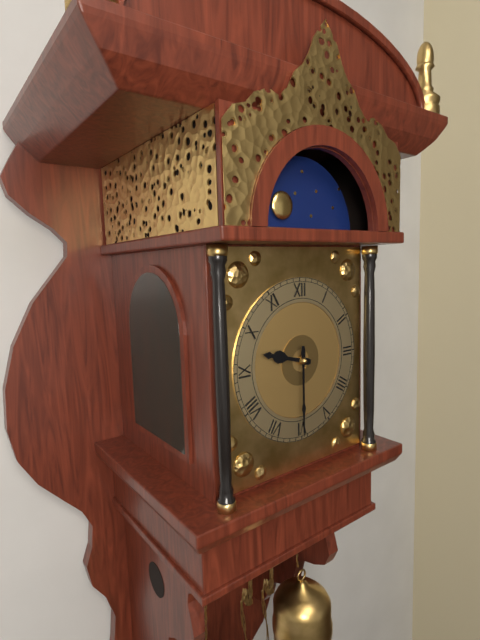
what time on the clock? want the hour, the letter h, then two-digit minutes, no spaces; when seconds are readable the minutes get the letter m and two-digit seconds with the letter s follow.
9h30
